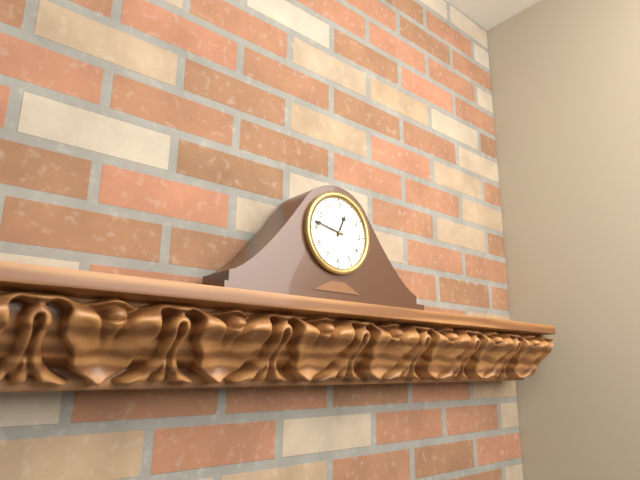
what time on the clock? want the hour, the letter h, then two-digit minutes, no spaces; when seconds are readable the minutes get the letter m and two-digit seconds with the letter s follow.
12h47
